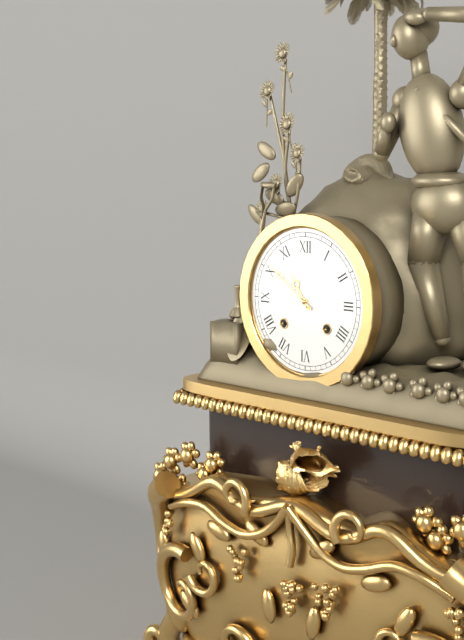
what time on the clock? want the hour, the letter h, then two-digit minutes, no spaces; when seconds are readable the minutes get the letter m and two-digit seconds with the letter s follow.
10h51
